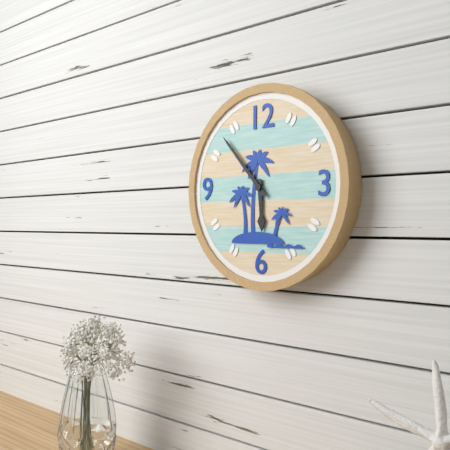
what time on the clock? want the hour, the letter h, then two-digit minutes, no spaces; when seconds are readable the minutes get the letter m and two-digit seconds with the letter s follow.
5h53
